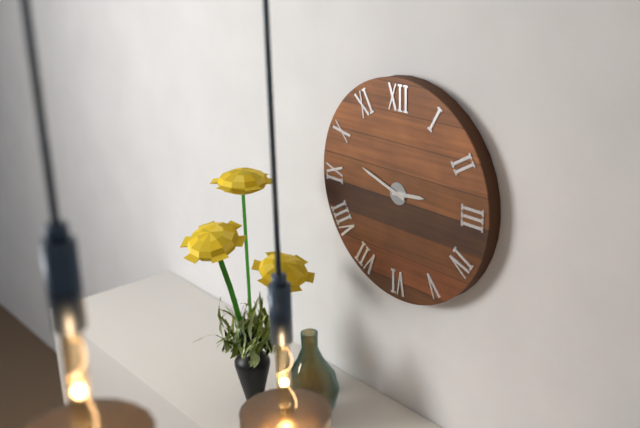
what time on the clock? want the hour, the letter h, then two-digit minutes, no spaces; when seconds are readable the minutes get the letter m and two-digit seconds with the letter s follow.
2h48
